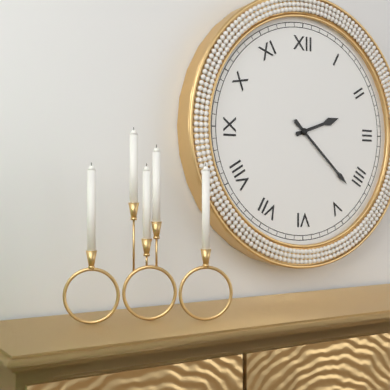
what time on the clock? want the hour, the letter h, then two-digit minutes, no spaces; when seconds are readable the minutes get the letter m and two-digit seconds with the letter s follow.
2h22
